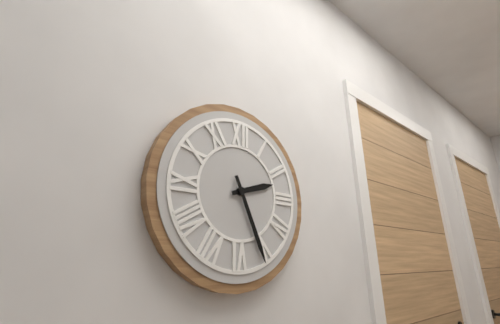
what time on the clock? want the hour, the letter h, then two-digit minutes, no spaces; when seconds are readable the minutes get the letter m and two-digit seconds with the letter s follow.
2h26
